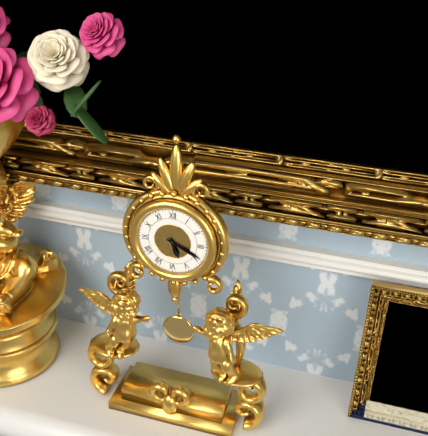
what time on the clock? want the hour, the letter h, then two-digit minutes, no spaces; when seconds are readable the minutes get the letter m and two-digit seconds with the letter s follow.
5h19
